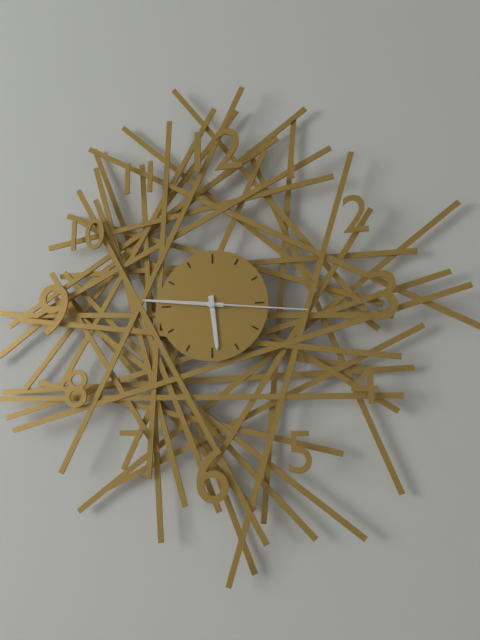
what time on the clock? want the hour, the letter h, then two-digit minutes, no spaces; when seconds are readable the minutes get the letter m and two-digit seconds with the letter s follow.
5h46m16s
